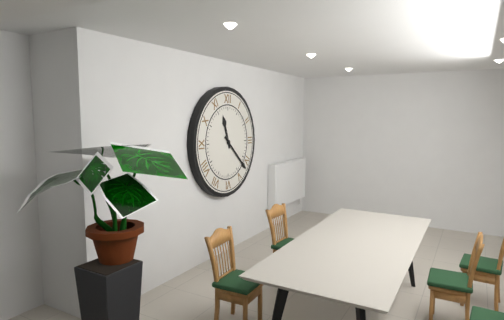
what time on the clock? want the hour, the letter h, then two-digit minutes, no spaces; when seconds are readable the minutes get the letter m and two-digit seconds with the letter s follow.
11h22
